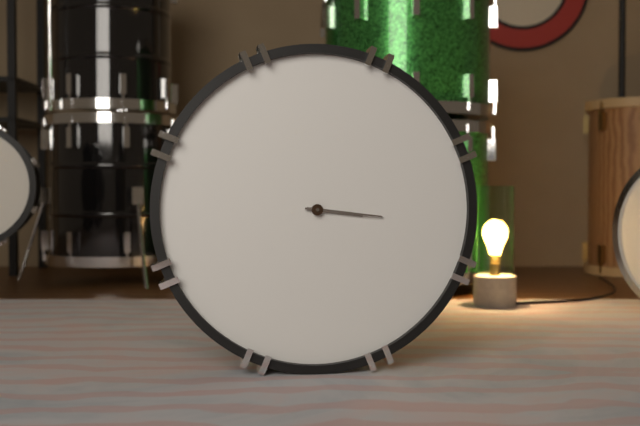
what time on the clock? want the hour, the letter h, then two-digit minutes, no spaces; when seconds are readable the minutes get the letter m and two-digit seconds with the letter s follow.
3h16
